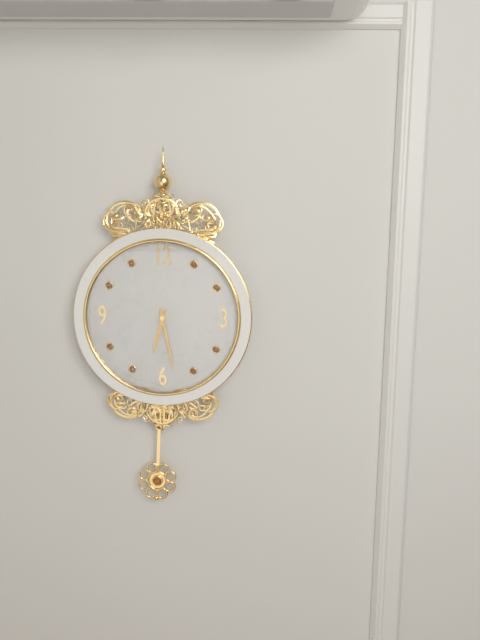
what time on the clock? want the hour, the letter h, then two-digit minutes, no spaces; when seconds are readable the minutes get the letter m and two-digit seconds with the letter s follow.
6h28
